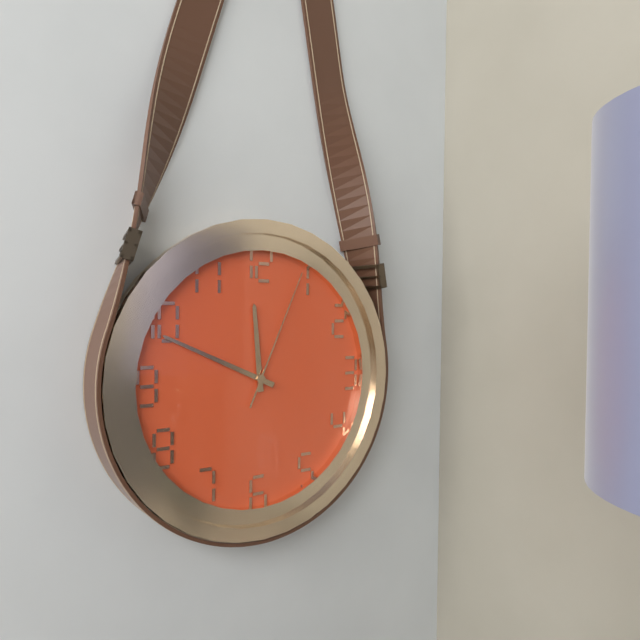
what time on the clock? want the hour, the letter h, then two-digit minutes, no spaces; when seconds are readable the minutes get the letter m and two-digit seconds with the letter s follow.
11h49m04s
